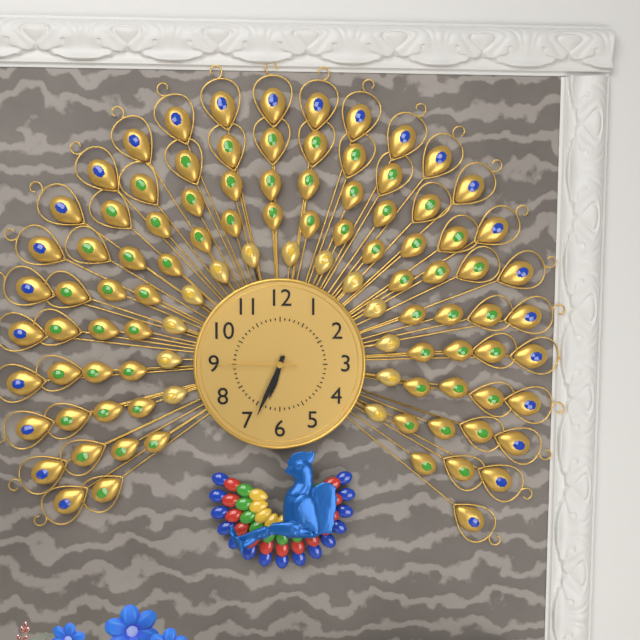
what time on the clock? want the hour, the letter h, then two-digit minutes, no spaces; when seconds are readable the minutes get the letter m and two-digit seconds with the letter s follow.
6h34m45s
